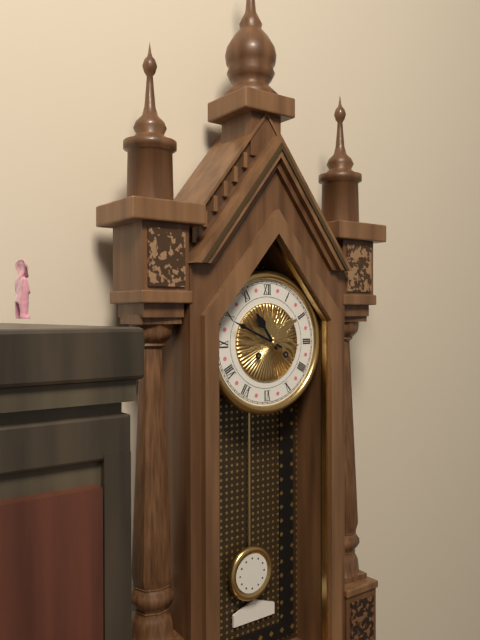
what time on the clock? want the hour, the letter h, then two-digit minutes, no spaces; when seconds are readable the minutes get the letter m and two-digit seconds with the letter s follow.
10h49
